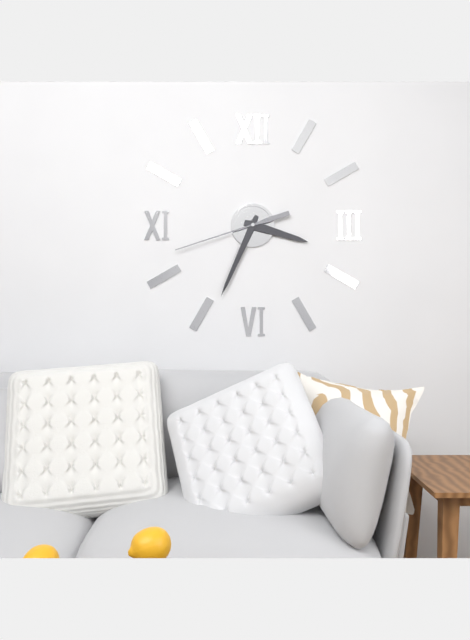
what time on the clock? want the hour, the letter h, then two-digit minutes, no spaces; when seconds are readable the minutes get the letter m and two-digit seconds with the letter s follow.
3h34m42s
